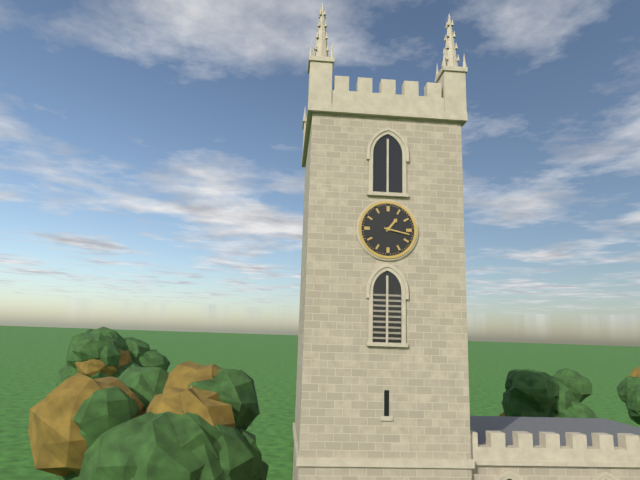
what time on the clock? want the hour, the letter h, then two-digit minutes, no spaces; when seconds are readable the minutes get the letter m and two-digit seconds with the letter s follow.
1h17
